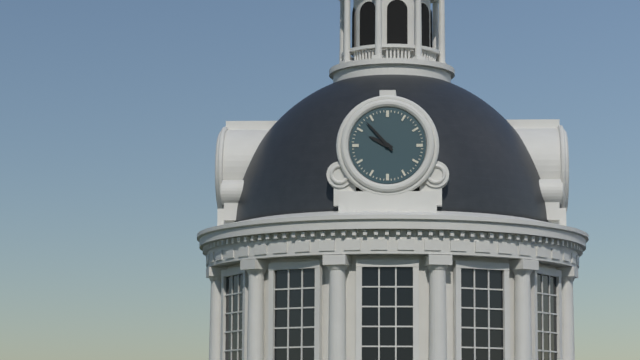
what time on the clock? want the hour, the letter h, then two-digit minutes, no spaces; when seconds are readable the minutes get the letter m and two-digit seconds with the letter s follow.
9h53
